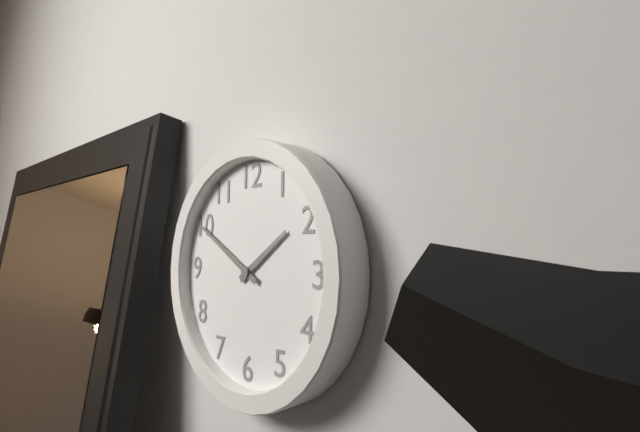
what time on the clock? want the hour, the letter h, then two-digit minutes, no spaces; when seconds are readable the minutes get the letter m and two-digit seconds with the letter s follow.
1h50
